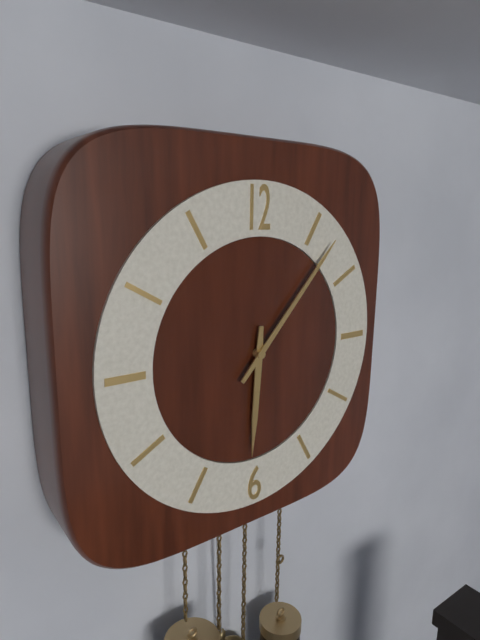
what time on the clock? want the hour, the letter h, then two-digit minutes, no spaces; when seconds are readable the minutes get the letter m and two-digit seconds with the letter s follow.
6h07
